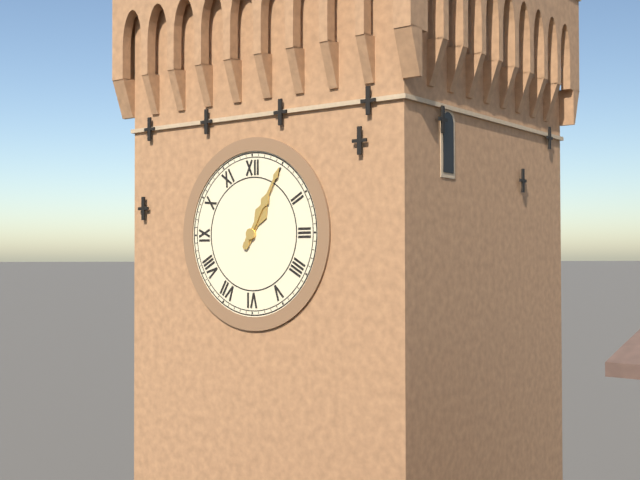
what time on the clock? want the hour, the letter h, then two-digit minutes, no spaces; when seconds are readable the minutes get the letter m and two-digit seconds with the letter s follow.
1h05
